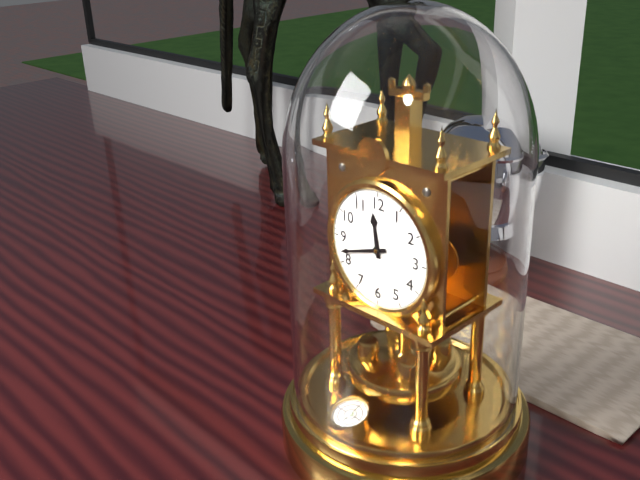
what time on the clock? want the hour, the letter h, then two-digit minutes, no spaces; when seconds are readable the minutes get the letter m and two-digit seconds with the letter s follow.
11h42
